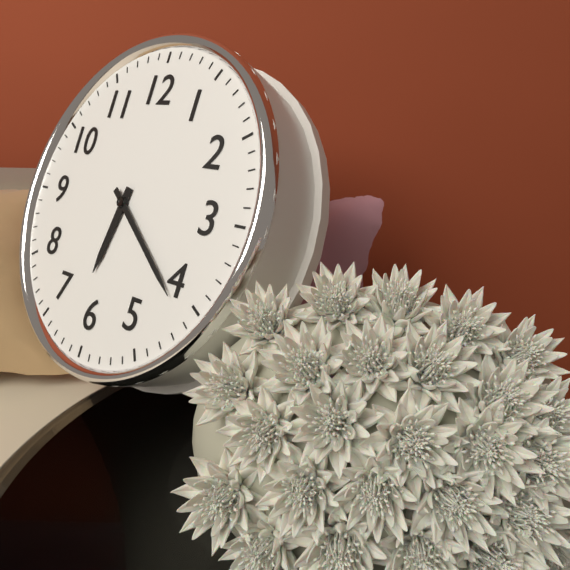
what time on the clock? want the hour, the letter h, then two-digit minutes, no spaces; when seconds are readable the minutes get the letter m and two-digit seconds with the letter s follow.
6h21
